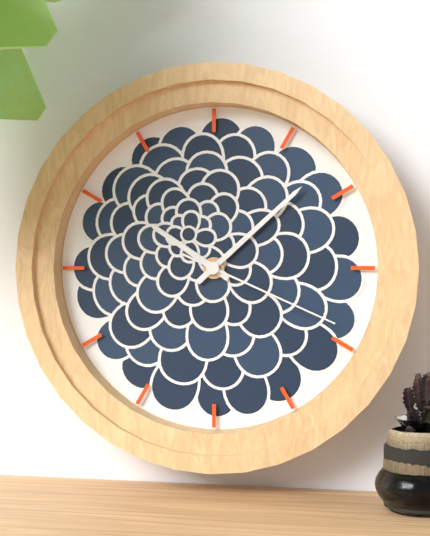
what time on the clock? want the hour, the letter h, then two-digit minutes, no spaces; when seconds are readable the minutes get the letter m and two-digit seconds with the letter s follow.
10h08m19s
